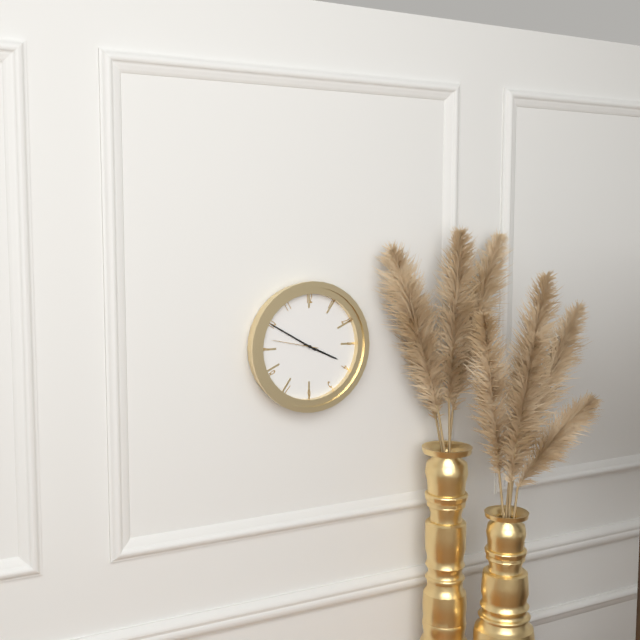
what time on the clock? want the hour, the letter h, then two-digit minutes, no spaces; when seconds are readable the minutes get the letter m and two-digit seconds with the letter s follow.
3h50
